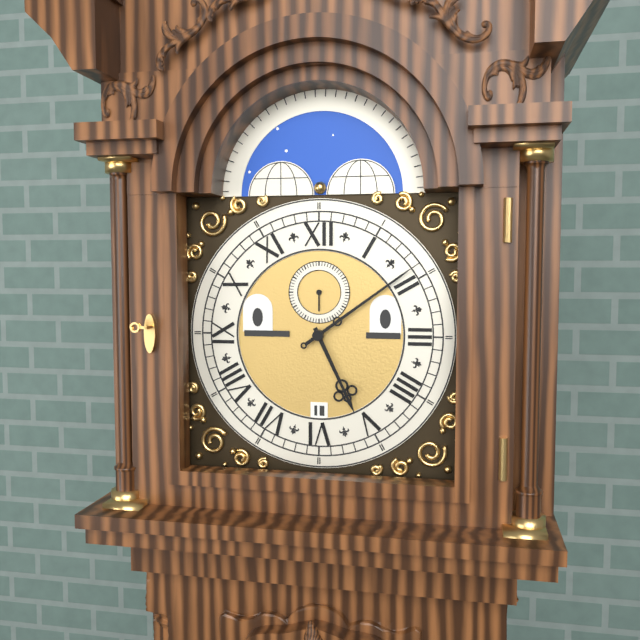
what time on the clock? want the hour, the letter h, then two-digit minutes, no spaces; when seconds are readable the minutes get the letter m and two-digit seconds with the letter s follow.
5h09
